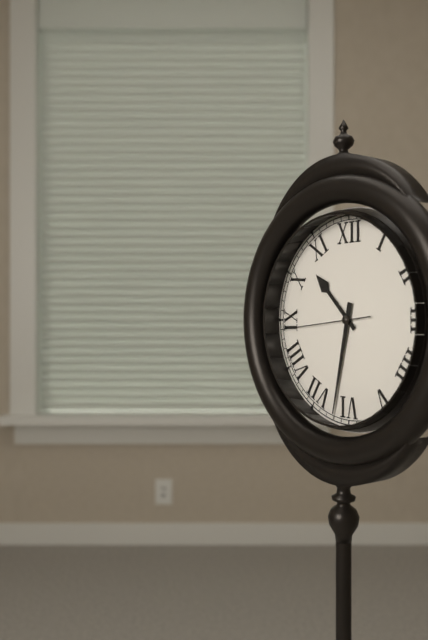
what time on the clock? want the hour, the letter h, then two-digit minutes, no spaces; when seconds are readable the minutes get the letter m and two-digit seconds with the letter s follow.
10h32m44s
